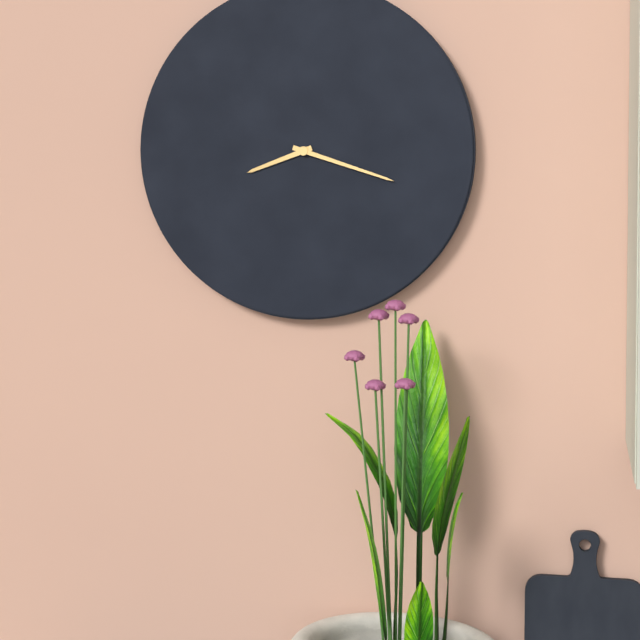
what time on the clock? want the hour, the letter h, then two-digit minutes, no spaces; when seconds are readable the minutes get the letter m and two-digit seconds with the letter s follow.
8h18
